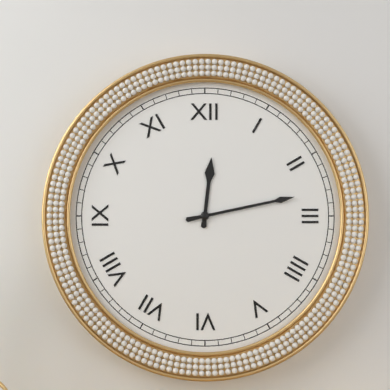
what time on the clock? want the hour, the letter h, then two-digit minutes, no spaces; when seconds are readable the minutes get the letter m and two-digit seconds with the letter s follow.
12h13
